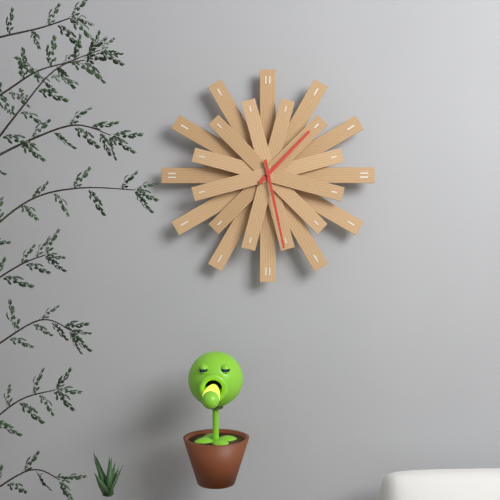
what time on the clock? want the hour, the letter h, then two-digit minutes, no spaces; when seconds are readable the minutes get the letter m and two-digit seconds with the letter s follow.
1h28
